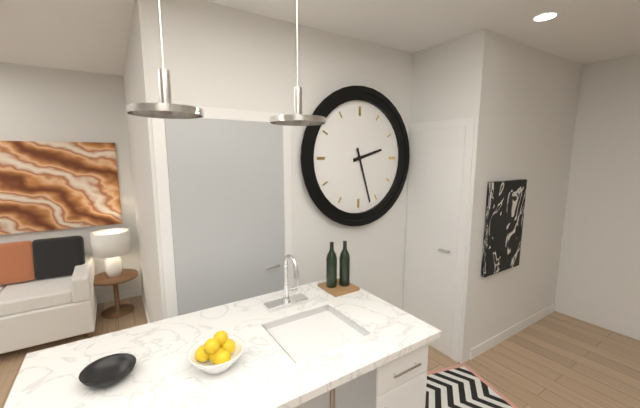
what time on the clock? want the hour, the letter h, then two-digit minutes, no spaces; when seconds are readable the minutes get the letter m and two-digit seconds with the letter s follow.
2h27
